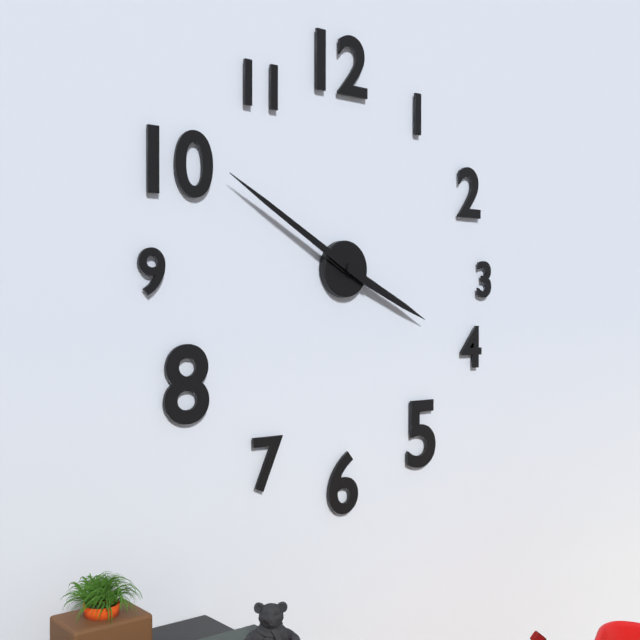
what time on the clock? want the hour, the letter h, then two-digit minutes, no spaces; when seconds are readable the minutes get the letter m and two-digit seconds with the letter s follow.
3h50
